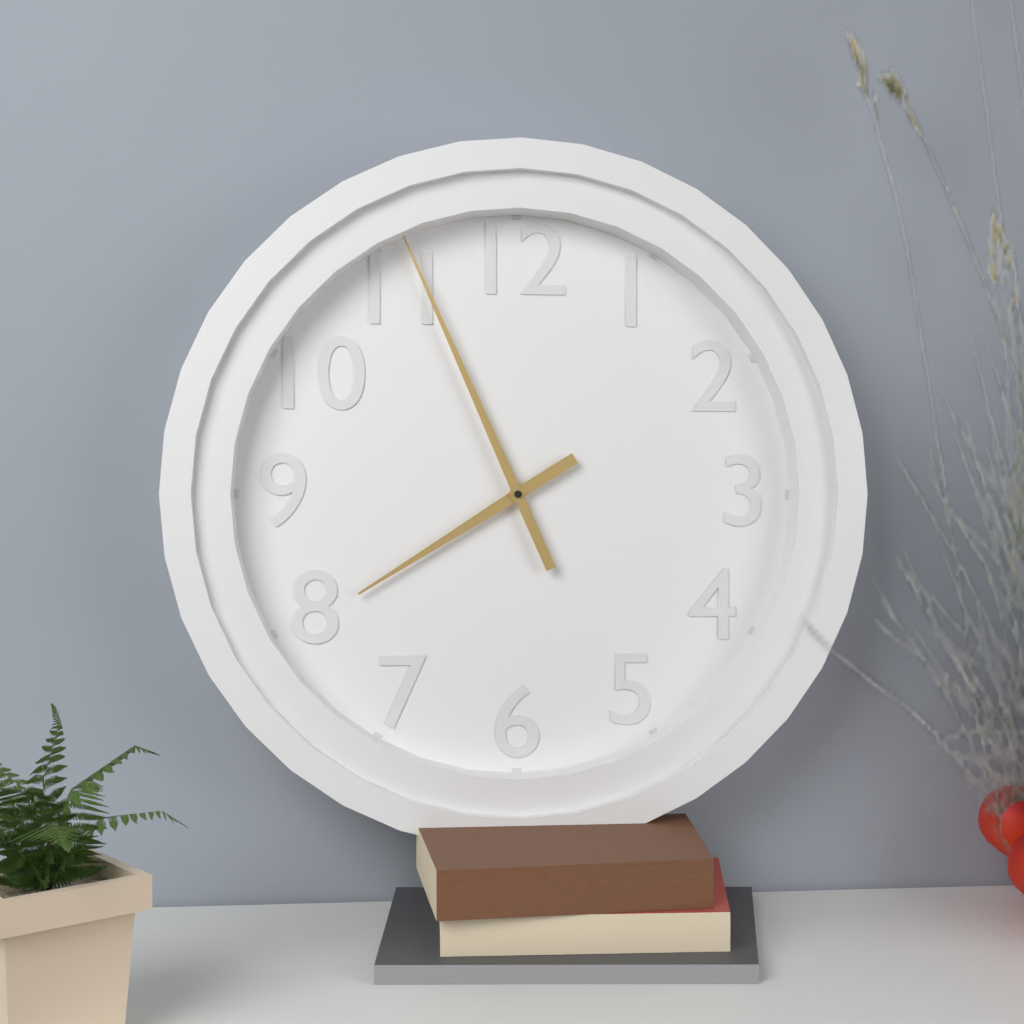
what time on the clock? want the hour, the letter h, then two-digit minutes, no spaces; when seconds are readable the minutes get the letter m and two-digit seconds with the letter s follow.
7h56
